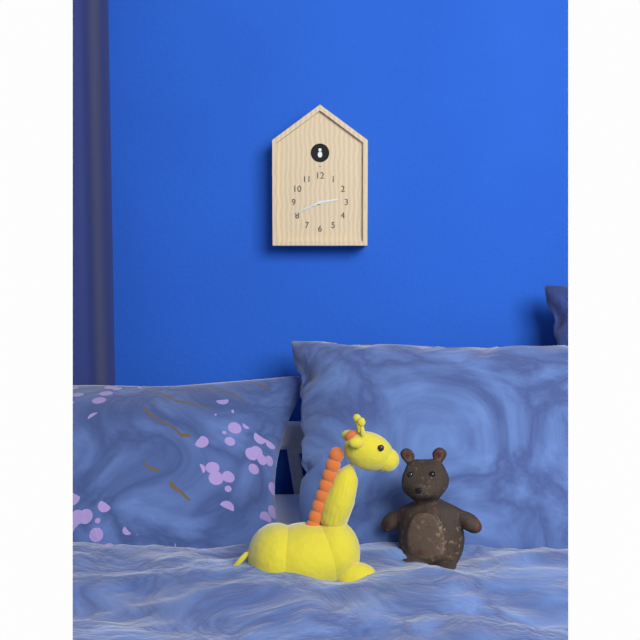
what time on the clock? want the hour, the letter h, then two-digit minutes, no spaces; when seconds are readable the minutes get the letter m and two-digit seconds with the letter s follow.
2h41
